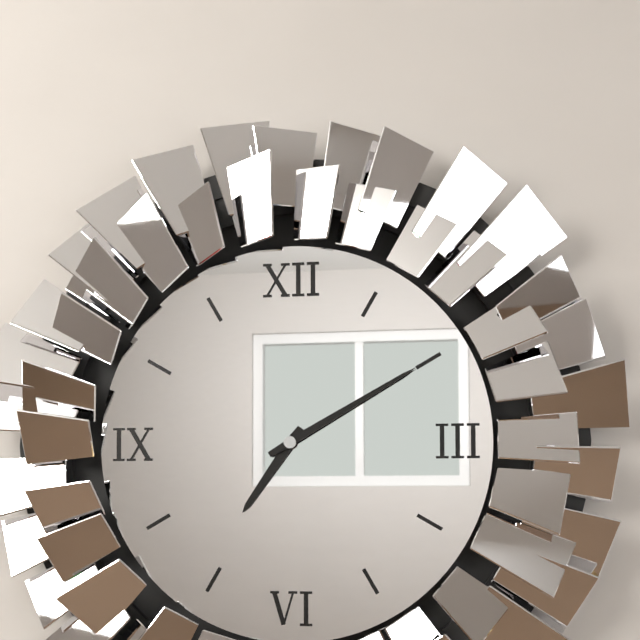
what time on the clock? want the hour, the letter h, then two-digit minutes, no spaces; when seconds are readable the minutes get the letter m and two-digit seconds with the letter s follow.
7h10
